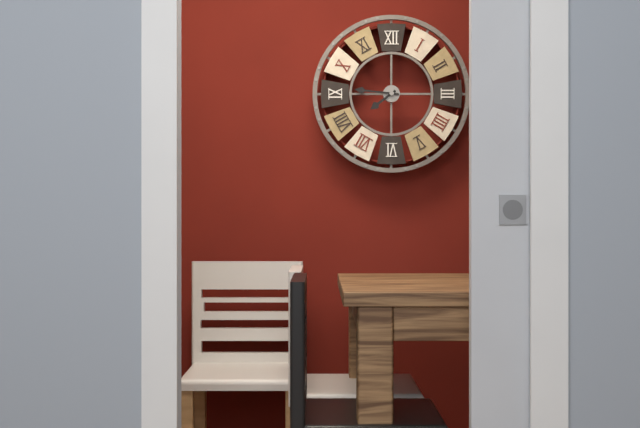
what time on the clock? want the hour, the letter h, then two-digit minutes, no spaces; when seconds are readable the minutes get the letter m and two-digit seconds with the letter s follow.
7h46
